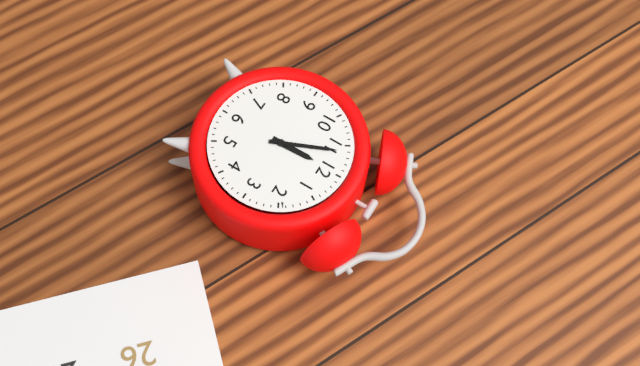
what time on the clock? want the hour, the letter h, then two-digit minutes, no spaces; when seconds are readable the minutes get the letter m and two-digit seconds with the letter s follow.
11h56
